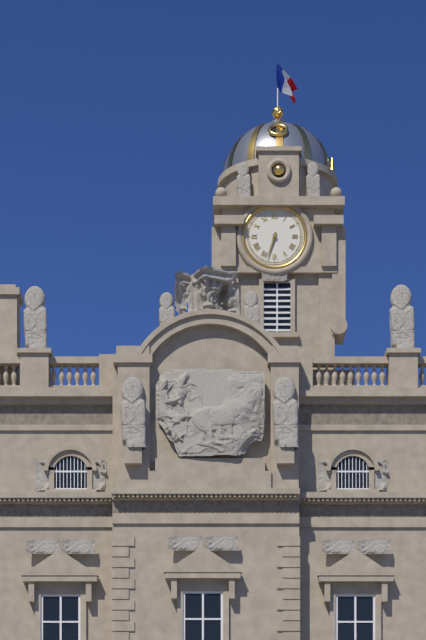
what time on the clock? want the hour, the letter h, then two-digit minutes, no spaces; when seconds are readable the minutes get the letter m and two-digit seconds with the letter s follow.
6h33
